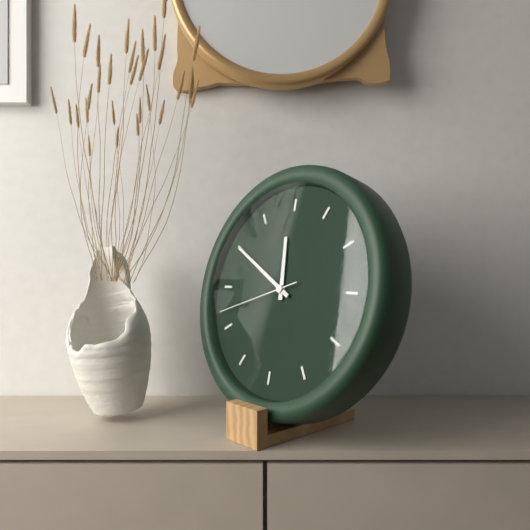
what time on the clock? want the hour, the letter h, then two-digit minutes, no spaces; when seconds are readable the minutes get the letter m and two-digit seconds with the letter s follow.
11h50m42s
